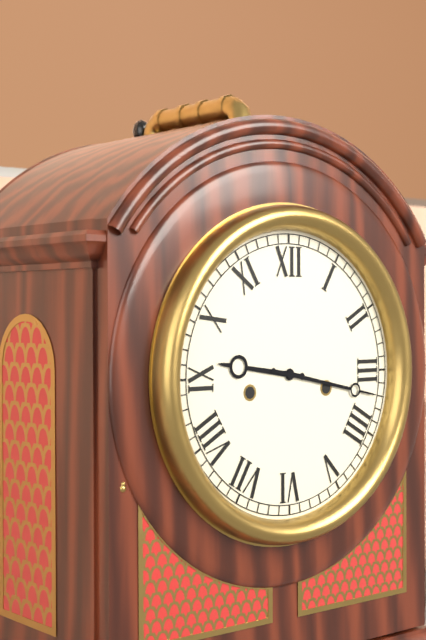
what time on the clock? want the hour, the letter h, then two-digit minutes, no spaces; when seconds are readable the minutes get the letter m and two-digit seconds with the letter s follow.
9h17
